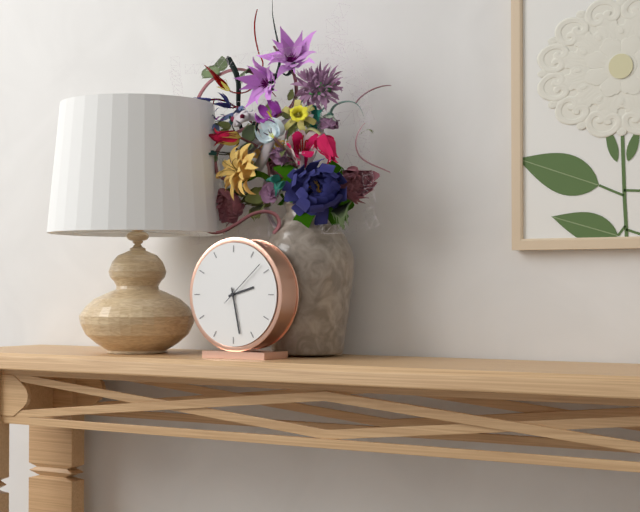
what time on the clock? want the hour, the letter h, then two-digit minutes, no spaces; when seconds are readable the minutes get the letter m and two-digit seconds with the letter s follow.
2h28m08s
